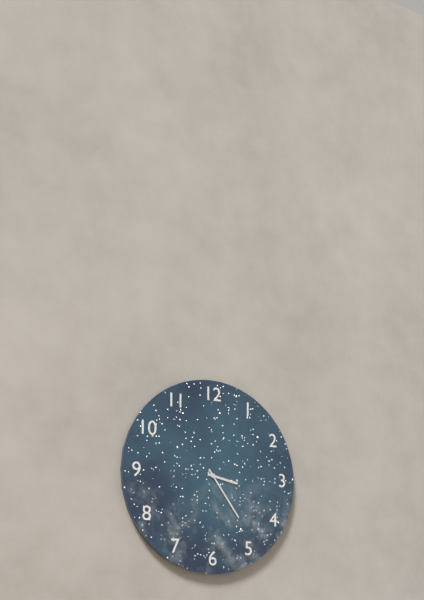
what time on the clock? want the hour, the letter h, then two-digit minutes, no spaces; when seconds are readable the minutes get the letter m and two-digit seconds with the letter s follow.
3h24
